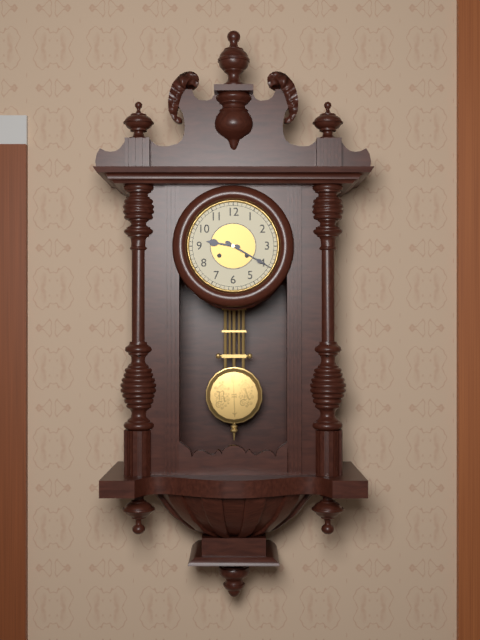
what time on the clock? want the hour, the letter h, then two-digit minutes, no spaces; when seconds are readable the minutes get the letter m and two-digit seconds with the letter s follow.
9h20
